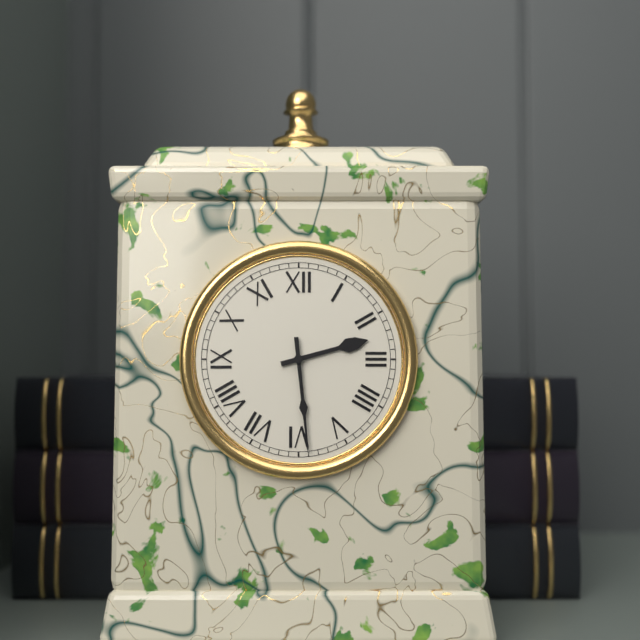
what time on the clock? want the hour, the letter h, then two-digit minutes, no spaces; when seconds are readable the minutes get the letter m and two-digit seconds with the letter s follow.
2h29
